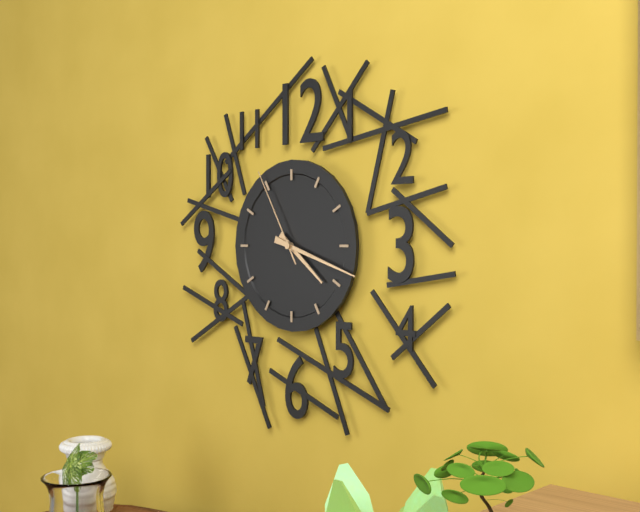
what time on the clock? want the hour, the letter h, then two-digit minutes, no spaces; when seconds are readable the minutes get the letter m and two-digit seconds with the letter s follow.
4h18m55s
